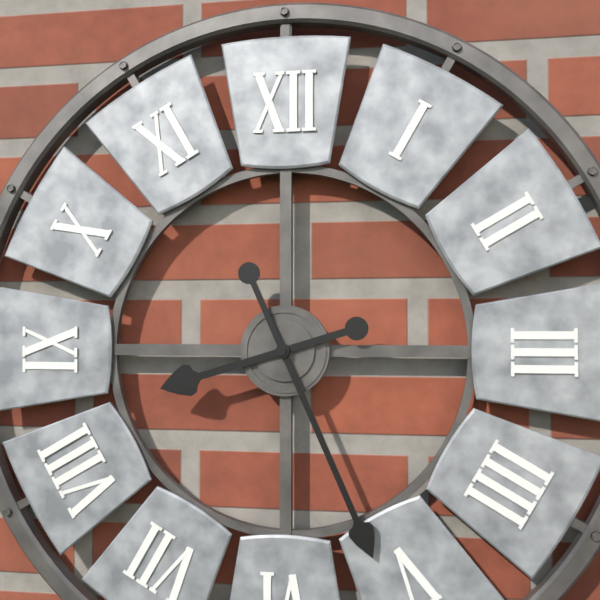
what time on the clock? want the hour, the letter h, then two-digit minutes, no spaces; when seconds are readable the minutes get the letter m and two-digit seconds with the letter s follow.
8h26
